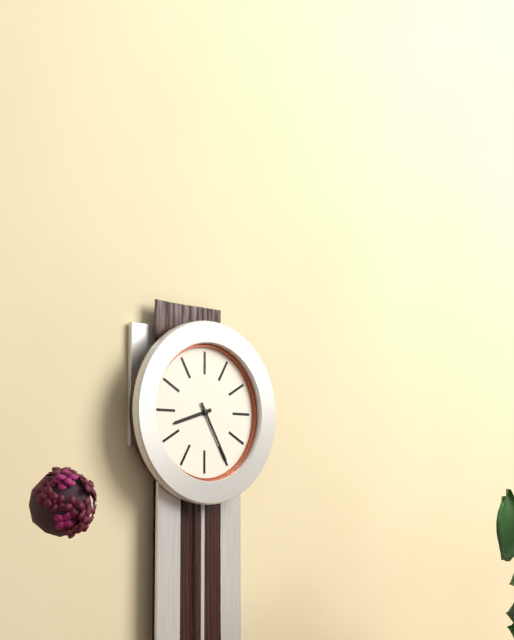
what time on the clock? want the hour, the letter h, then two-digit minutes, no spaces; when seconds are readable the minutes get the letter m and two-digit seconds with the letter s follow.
8h25
